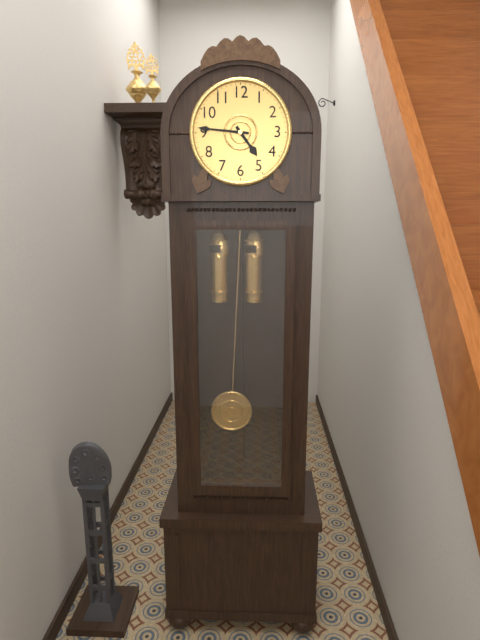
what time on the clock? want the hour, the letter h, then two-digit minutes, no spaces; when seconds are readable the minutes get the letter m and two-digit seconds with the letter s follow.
4h46
